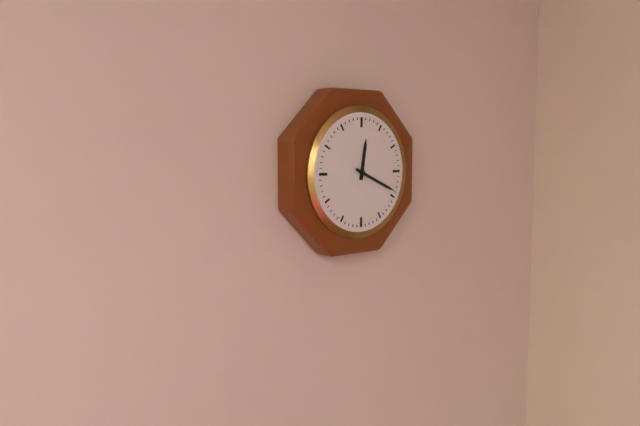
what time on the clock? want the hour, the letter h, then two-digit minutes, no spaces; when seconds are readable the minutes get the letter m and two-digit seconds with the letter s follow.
12h19
